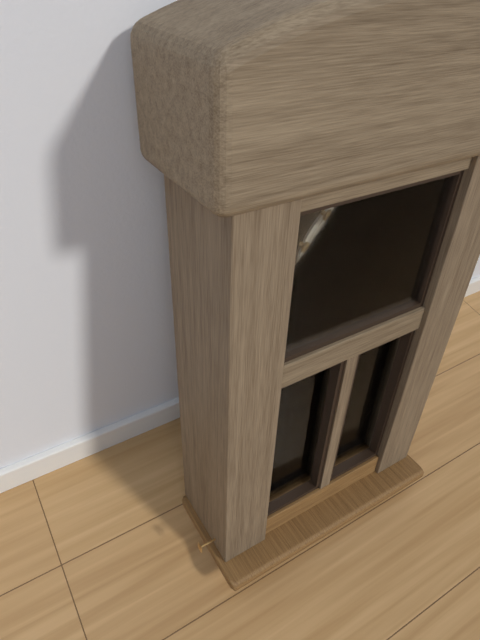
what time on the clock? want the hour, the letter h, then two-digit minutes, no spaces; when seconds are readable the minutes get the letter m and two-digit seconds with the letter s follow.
6h44
